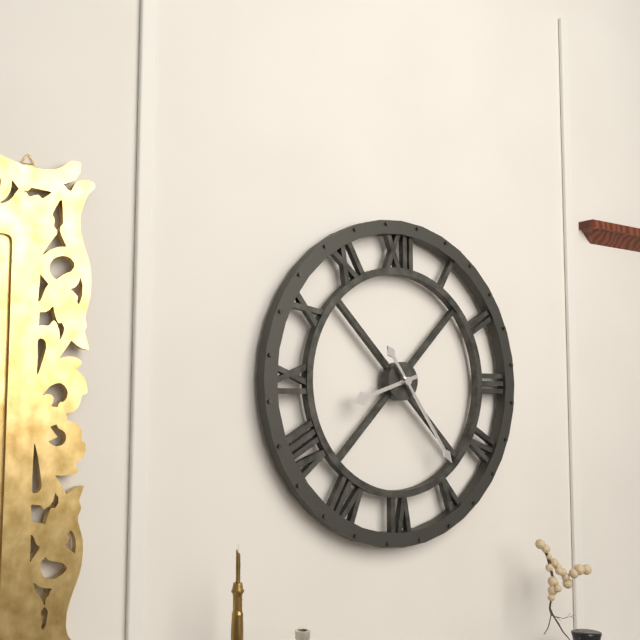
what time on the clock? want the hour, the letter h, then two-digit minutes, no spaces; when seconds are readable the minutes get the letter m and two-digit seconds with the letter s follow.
8h24
